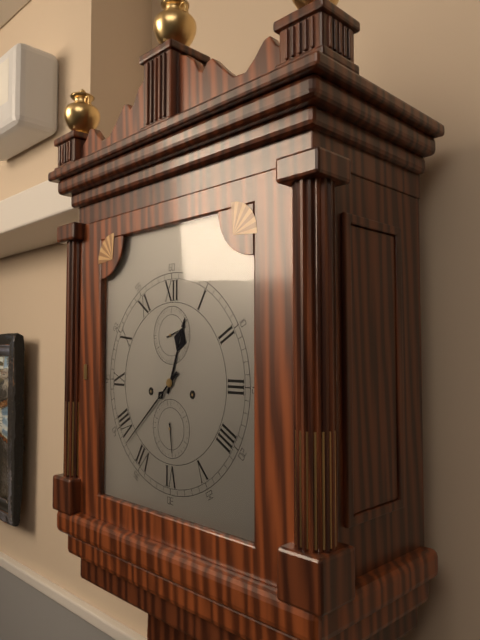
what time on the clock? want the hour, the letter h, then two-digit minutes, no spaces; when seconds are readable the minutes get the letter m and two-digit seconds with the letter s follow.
12h38
